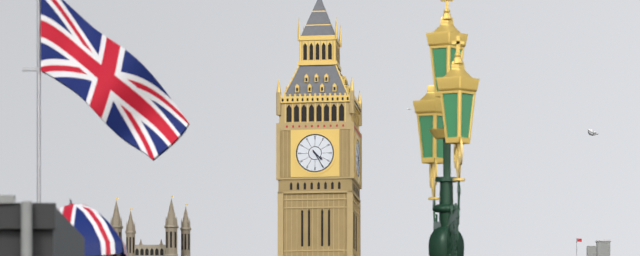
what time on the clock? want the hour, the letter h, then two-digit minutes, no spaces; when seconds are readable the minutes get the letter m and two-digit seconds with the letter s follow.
4h25
